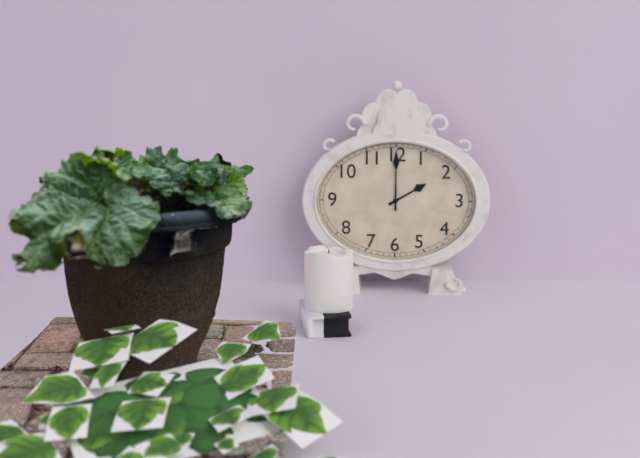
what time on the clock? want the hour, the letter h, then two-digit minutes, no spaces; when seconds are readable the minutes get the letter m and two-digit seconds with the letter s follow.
2h00
